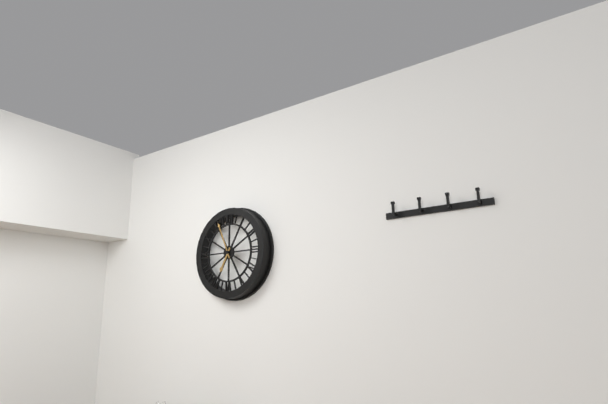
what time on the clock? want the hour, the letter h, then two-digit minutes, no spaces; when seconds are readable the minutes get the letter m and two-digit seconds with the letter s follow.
6h56
